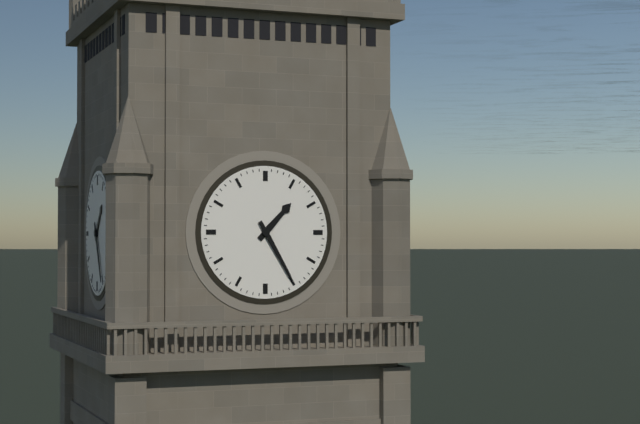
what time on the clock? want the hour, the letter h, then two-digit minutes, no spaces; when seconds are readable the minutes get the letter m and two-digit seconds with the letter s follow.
1h25
